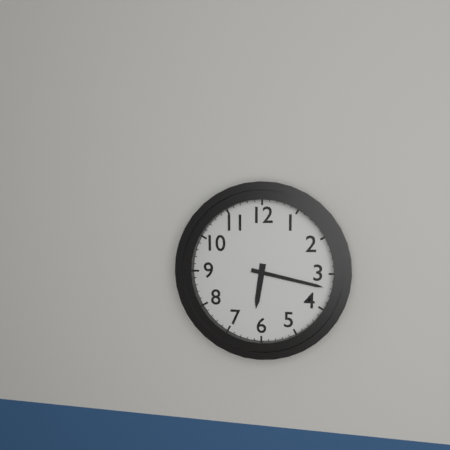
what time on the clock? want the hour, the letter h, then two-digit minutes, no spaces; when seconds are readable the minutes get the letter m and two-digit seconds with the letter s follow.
6h17
